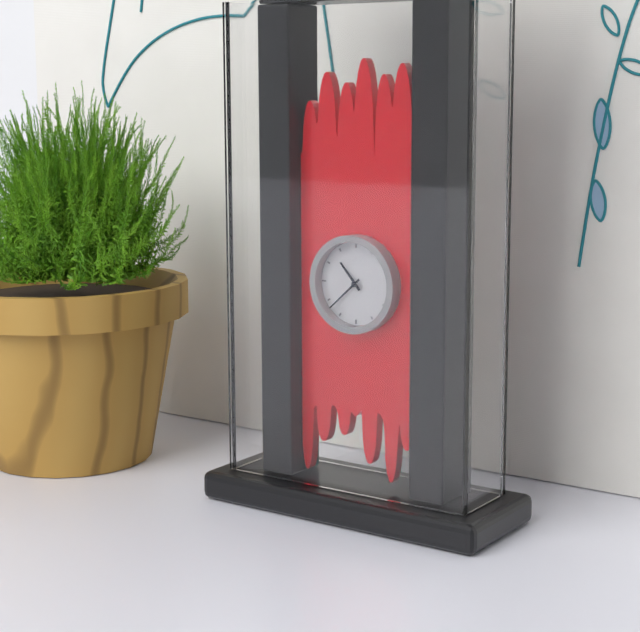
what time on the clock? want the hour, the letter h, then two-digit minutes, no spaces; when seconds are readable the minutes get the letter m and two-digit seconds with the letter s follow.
10h38
